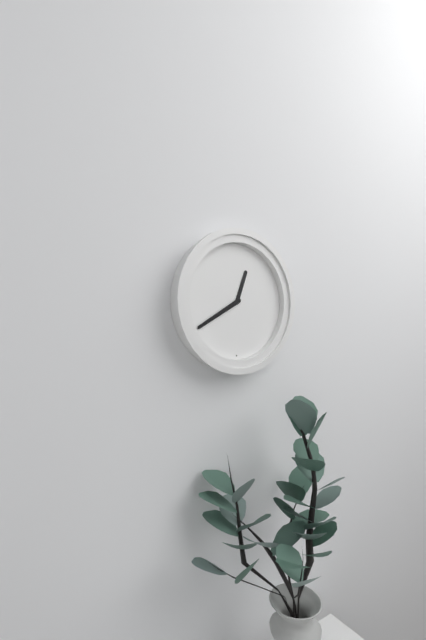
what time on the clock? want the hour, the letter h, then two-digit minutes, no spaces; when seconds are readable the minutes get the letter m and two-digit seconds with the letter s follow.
12h40
